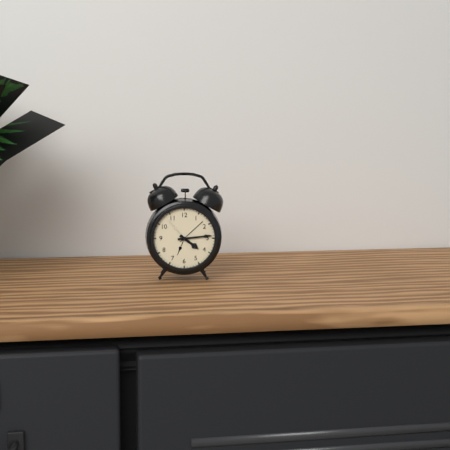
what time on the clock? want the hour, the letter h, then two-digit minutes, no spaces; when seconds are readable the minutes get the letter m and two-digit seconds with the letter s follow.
4h14
